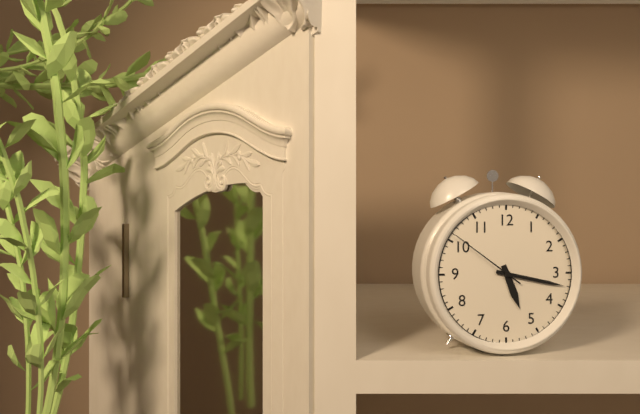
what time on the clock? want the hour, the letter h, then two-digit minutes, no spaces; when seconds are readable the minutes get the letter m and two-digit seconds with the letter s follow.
5h17m51s
